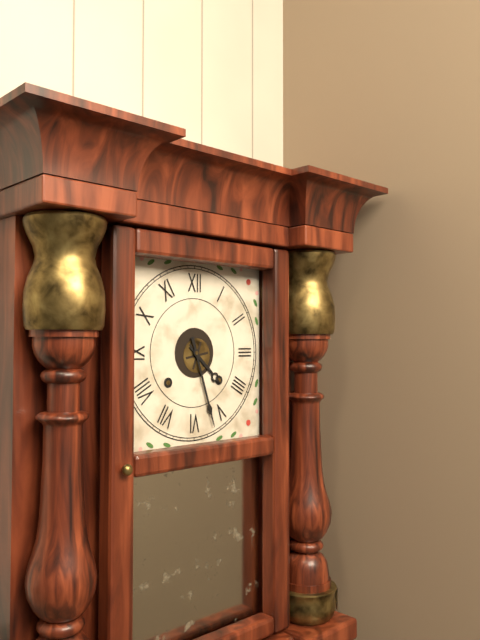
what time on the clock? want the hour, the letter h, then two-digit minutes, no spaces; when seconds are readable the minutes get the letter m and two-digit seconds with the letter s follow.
4h27
